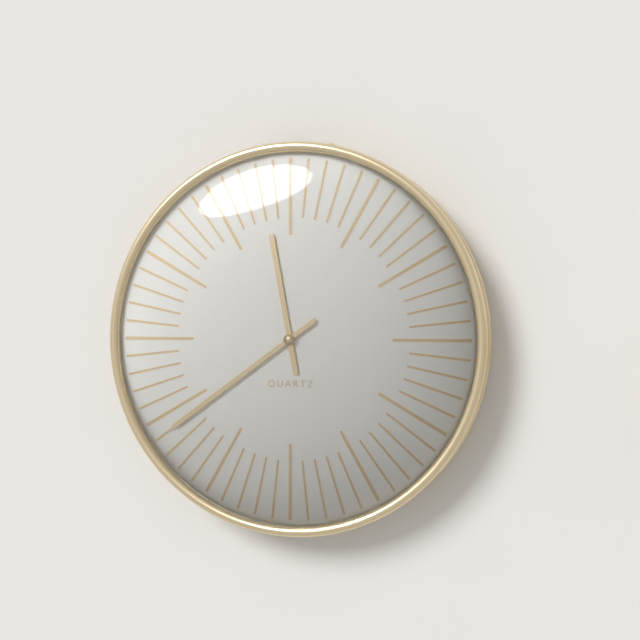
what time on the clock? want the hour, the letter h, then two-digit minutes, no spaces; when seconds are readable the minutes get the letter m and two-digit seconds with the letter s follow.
11h39
